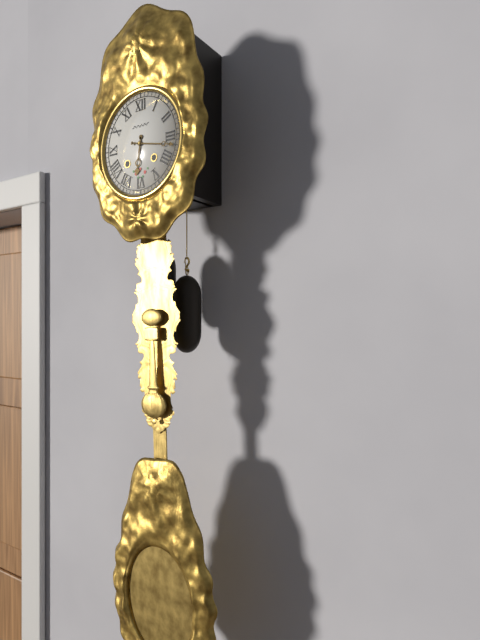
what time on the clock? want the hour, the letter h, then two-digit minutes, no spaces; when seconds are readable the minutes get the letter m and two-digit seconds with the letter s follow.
6h17
